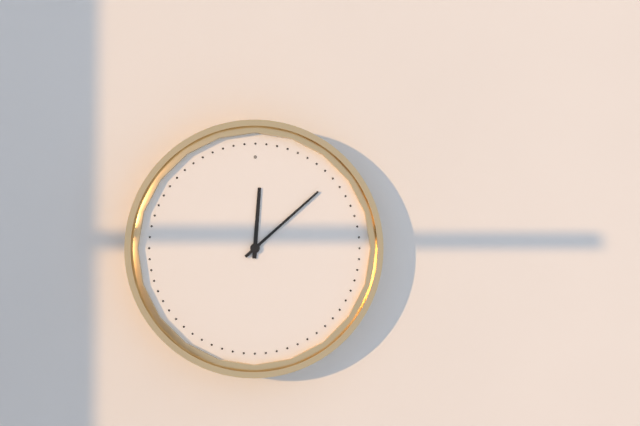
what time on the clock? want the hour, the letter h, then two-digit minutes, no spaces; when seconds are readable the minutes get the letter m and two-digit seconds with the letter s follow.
12h08
